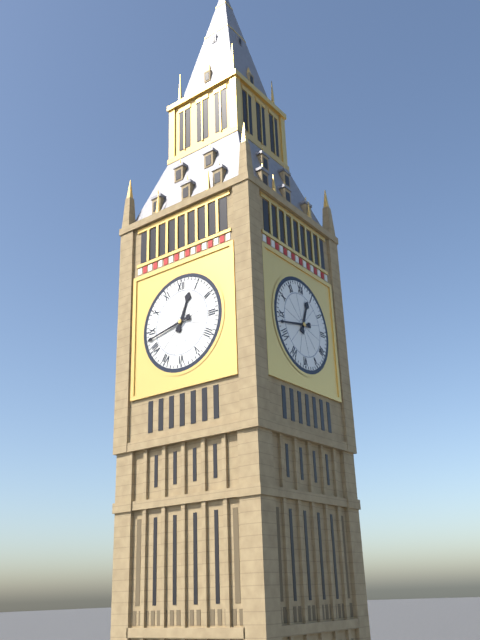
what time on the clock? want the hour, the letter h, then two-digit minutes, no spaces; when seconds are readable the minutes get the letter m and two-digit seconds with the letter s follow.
12h43
